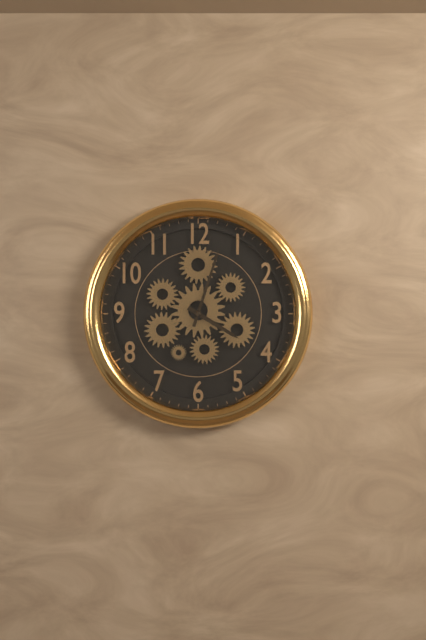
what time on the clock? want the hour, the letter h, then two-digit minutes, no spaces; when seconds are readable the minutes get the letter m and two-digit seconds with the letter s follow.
4h03
